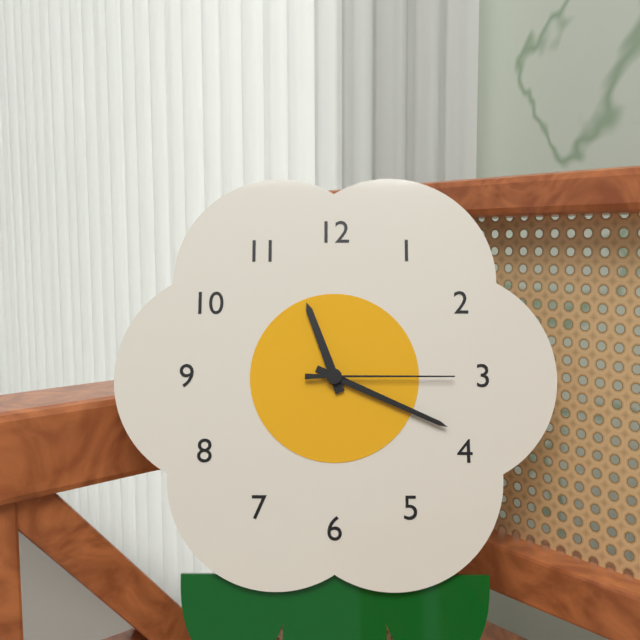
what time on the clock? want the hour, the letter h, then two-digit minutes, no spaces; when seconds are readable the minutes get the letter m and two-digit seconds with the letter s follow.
11h19m15s
